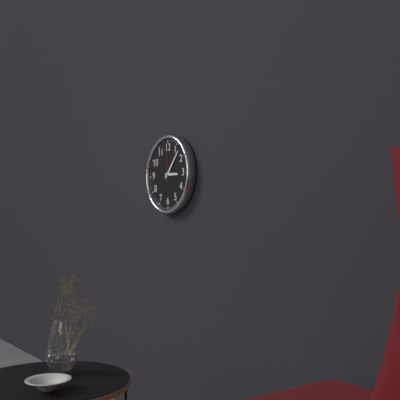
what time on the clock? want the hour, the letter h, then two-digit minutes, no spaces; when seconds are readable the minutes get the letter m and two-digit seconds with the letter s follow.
3h07
